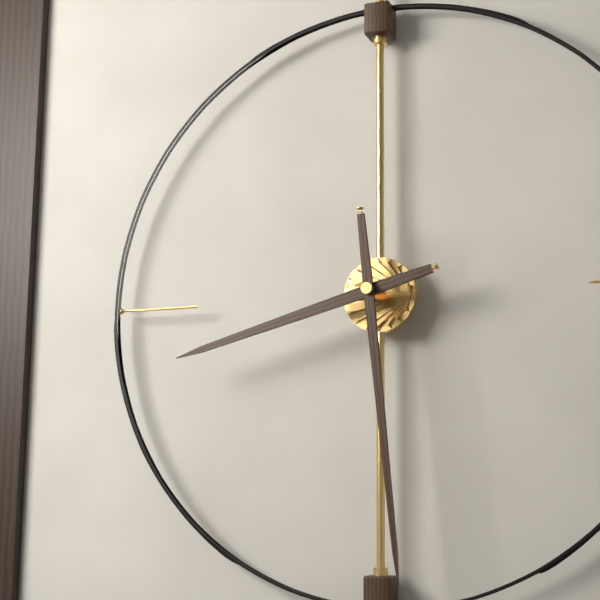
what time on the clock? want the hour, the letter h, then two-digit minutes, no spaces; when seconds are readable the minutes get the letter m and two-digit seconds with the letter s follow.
8h29
